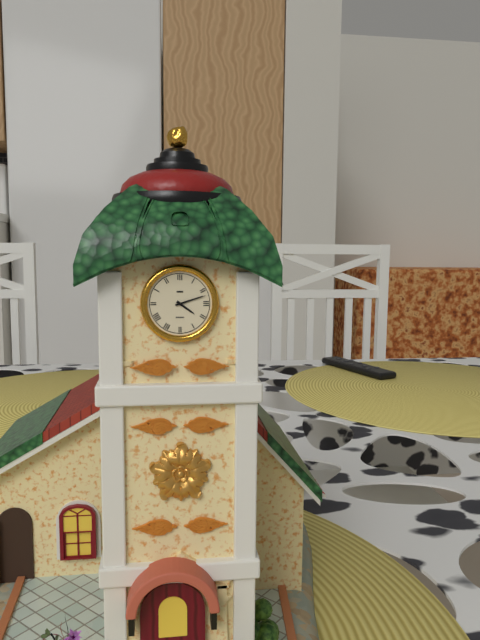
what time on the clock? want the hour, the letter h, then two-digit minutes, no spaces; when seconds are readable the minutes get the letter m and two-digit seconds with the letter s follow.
4h12
